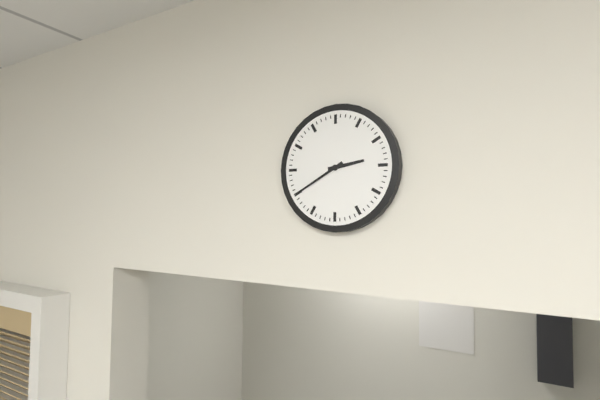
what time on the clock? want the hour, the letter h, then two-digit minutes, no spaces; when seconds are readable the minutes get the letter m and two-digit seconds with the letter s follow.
2h40
